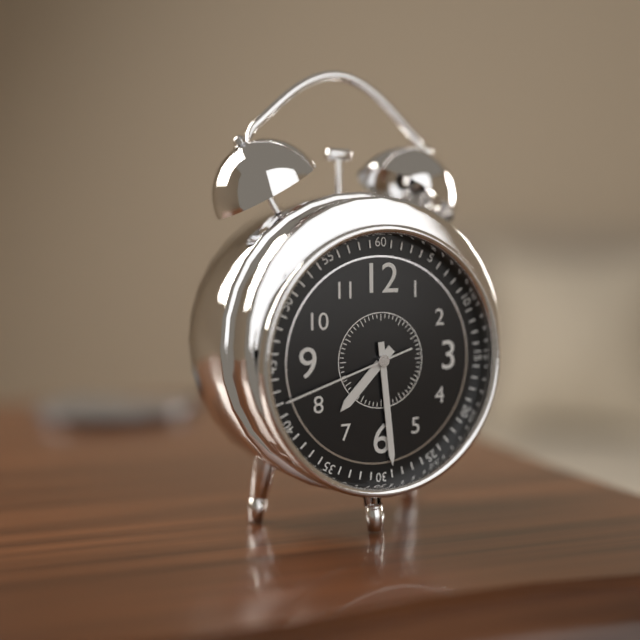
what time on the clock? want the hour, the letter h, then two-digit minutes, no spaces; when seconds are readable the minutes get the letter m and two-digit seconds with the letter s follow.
7h29m42s
